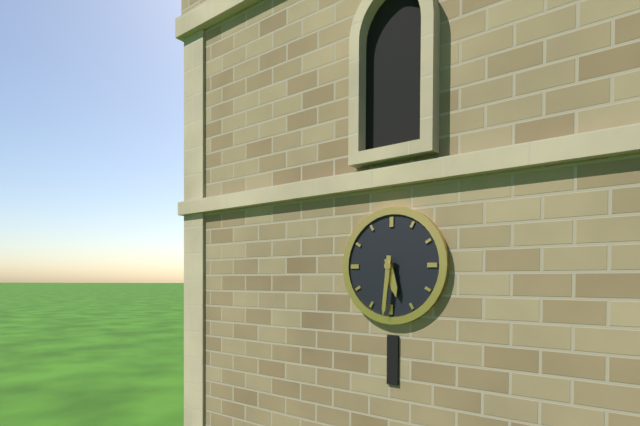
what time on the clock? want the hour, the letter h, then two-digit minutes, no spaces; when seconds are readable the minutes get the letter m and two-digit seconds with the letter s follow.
5h31
